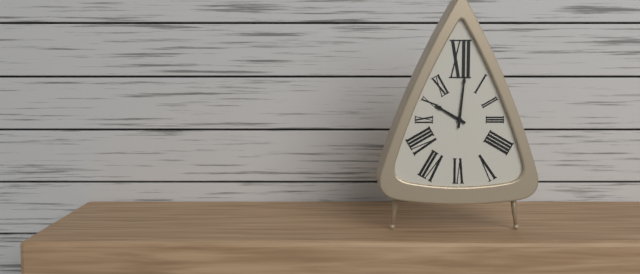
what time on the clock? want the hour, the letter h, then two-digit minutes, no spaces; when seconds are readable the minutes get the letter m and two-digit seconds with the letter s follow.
10h01
